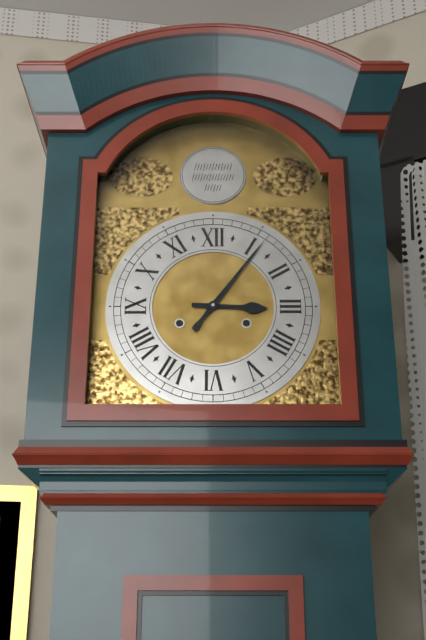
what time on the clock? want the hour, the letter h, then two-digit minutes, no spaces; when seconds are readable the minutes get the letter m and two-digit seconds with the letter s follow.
3h06
